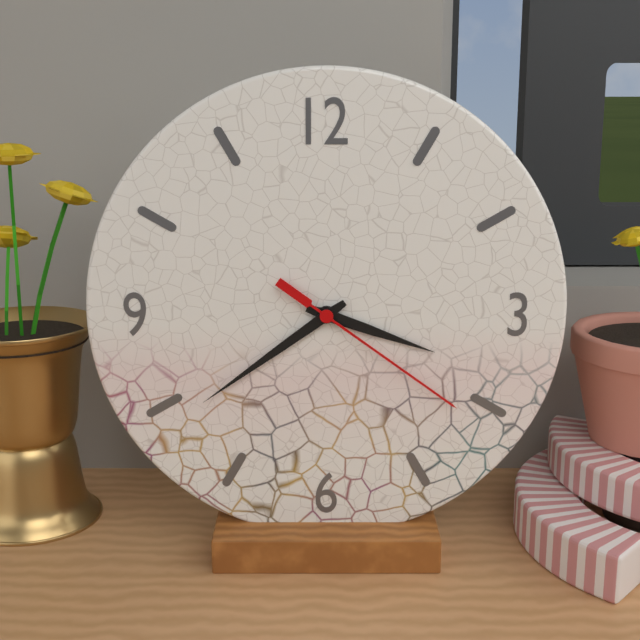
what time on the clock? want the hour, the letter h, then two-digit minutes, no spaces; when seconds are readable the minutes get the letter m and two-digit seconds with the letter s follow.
3h39m21s
